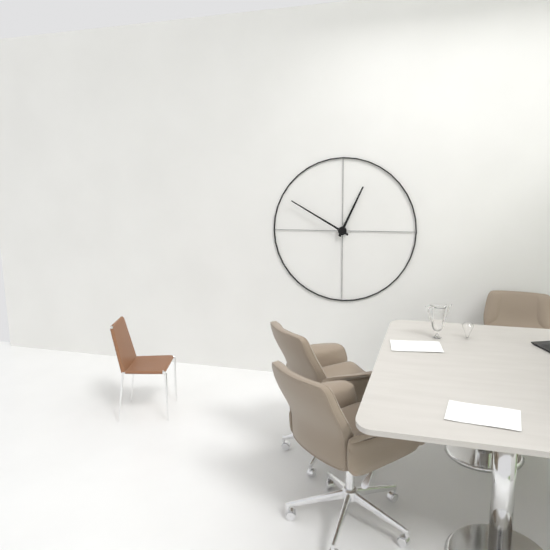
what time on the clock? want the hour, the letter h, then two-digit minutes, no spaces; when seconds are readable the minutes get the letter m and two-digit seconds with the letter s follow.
12h50
